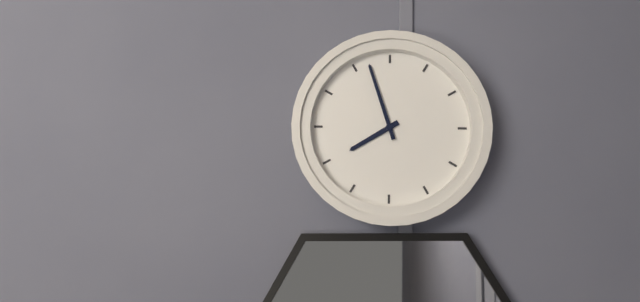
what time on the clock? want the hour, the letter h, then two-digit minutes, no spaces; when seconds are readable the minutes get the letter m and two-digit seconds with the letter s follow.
7h57
